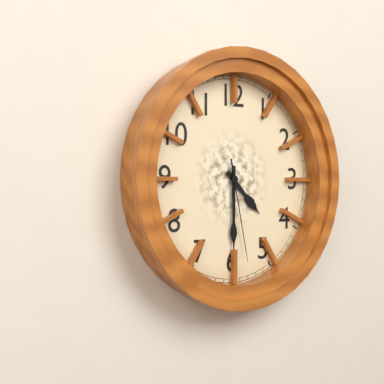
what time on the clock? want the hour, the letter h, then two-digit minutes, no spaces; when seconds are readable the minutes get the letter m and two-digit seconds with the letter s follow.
4h30m28s
